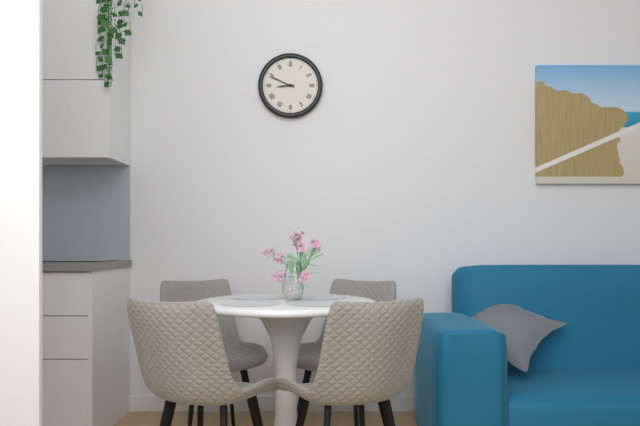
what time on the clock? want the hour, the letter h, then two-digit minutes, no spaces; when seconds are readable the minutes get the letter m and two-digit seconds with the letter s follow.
8h49
